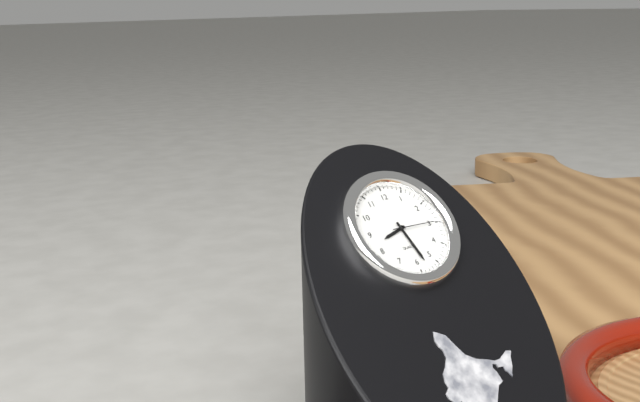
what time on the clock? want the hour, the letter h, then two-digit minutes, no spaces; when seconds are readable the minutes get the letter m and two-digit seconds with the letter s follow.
8h28
